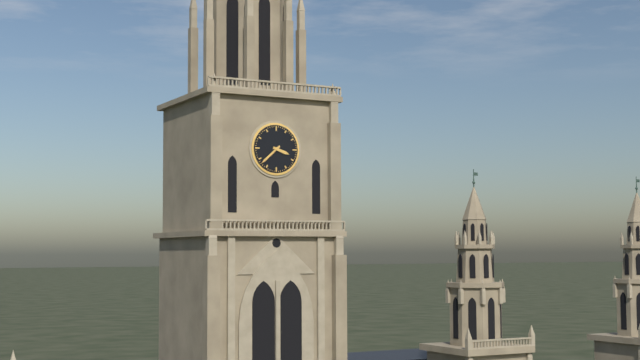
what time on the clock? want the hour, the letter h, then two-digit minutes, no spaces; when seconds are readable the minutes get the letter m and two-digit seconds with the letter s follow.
3h38
